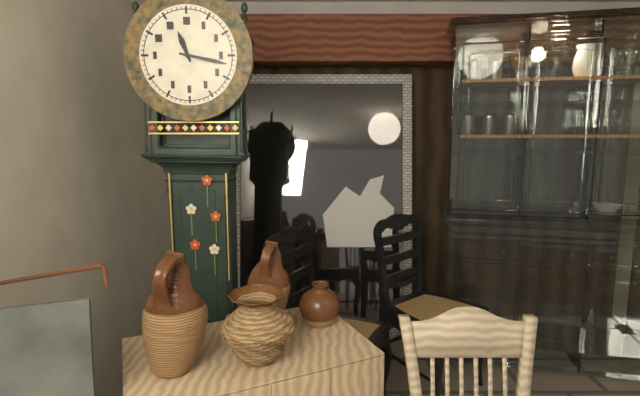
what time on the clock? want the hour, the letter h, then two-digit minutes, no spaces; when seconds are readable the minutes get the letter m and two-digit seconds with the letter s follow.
11h17
